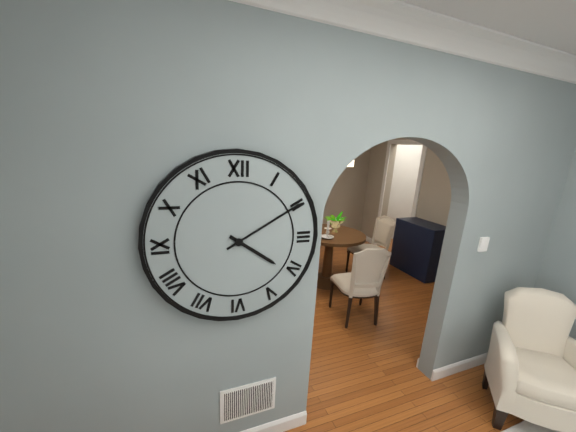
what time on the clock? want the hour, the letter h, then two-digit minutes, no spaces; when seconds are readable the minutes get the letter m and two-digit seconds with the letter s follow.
4h10
